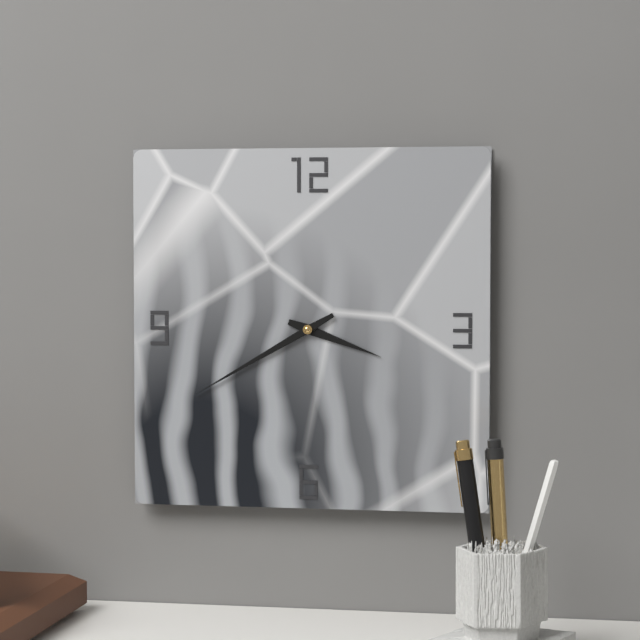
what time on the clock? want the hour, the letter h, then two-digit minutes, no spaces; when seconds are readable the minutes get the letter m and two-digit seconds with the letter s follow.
3h40
